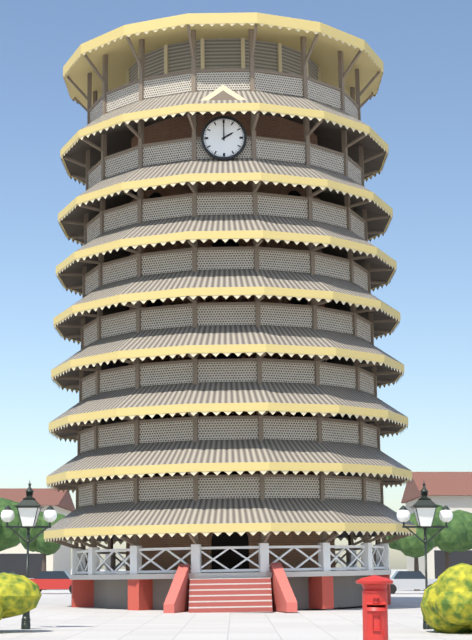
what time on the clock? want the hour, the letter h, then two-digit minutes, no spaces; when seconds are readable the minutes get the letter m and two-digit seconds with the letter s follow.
2h00
